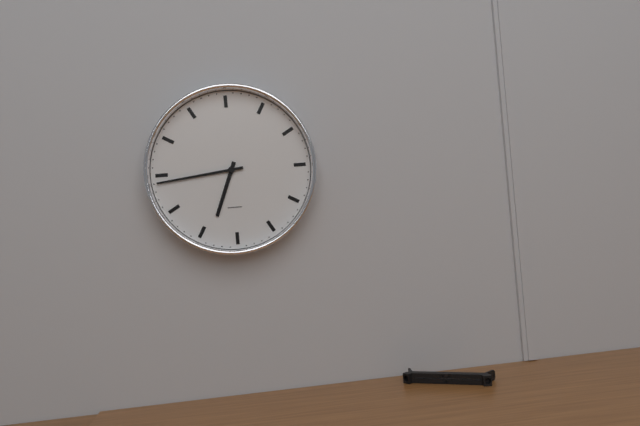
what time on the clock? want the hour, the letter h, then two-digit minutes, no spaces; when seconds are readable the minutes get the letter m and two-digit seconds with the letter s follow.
6h44
